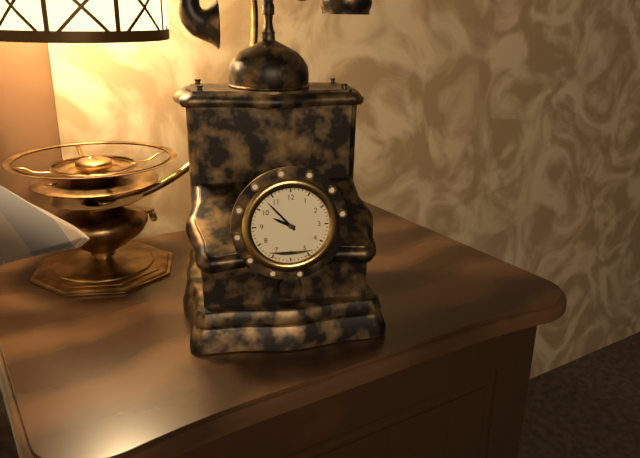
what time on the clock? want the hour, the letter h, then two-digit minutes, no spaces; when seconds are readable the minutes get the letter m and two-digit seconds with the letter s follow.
9h53
